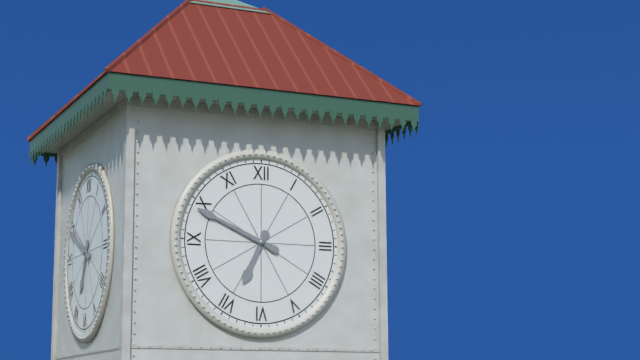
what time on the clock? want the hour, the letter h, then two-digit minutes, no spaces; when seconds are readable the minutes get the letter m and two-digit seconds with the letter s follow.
6h49
